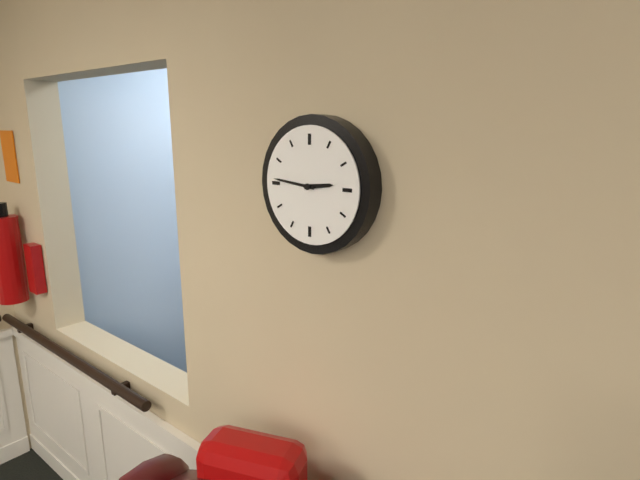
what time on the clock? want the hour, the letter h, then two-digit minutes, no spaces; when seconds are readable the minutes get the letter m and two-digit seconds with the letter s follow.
2h46
